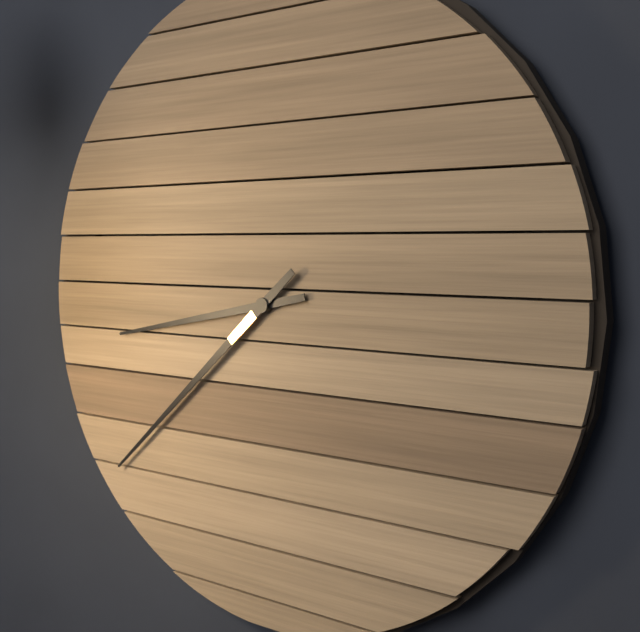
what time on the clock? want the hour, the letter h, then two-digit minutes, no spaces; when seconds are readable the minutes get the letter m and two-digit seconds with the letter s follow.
8h38
